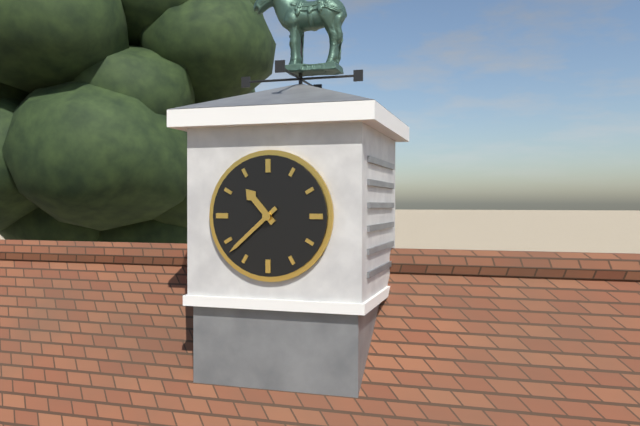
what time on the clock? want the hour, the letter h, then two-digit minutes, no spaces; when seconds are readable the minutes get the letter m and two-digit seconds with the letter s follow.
10h38
